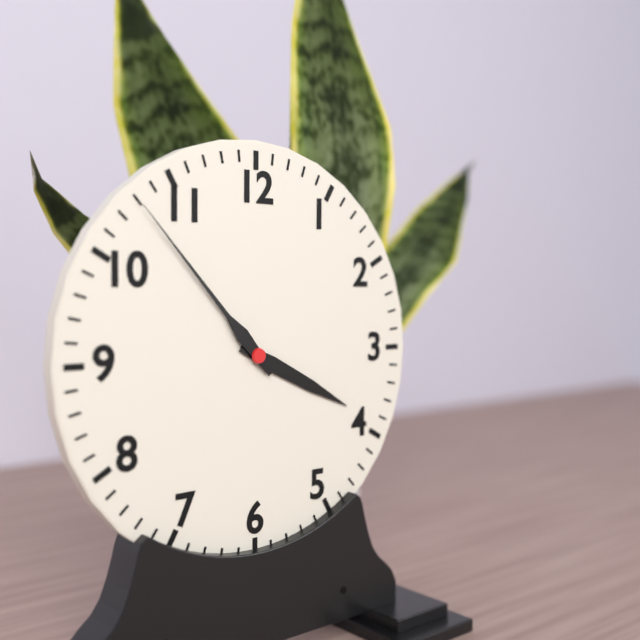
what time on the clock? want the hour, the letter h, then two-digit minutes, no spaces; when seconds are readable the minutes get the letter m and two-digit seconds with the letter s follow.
3h53
